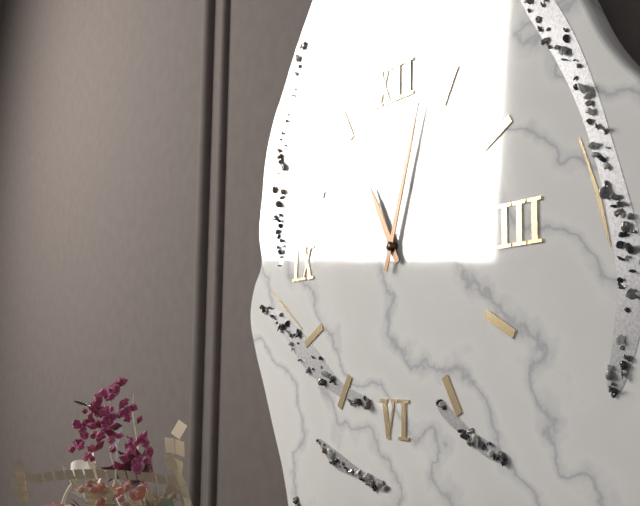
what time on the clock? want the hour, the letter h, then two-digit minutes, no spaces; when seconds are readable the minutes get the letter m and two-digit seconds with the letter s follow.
11h03
